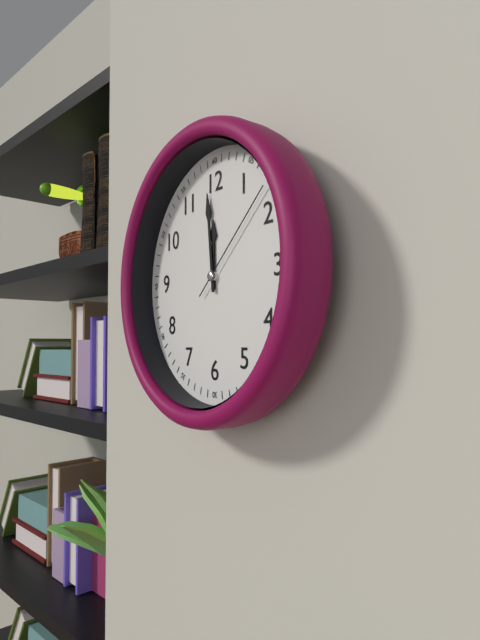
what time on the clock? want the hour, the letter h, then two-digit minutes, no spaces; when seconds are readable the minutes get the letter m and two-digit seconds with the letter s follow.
11h59m08s
